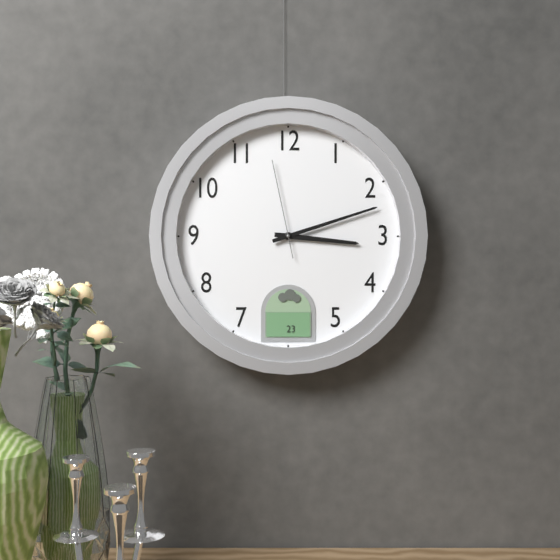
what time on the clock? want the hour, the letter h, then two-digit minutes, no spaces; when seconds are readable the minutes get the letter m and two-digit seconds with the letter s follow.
3h12m58s
